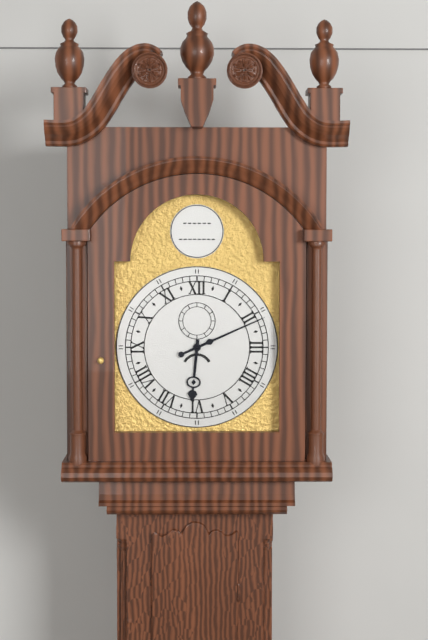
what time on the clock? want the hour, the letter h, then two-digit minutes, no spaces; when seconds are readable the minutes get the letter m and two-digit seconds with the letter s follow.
6h11
